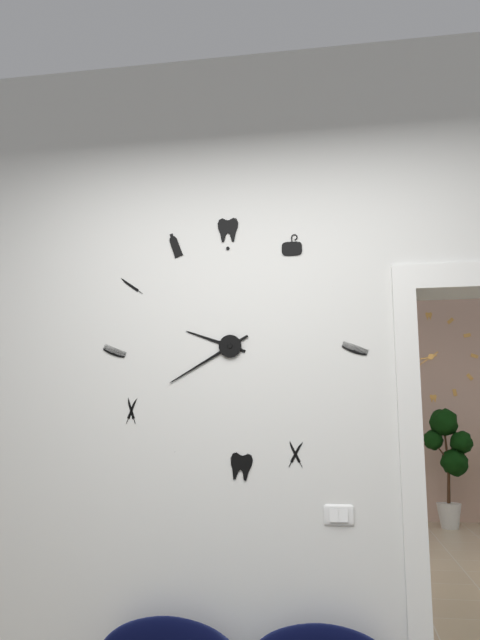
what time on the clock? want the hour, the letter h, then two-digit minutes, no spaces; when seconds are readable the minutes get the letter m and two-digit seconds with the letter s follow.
9h40
